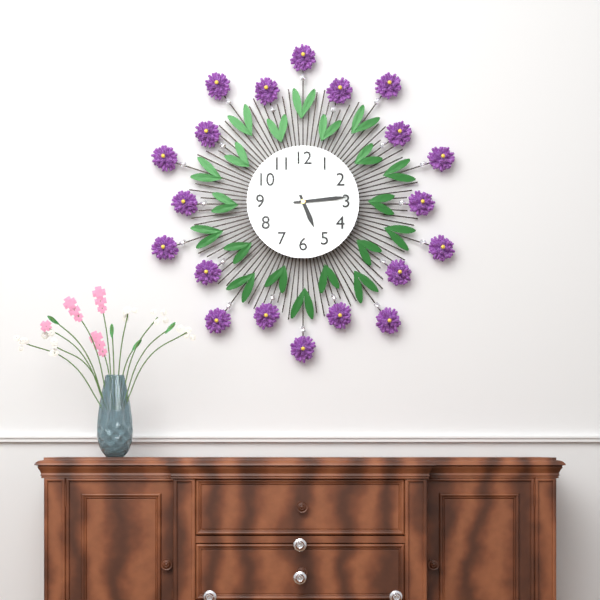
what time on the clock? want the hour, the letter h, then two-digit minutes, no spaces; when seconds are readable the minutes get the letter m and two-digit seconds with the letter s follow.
5h14
